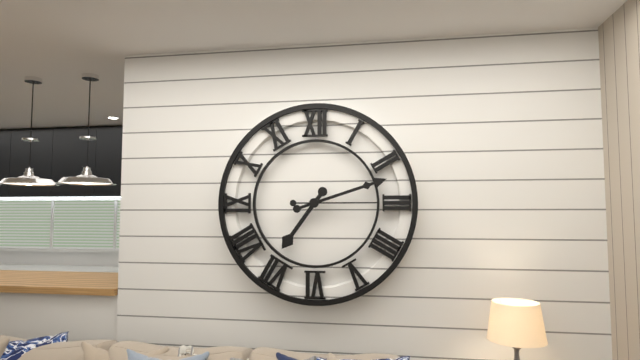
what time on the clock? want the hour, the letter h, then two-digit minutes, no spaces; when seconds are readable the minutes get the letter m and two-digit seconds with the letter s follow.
7h12m15s
